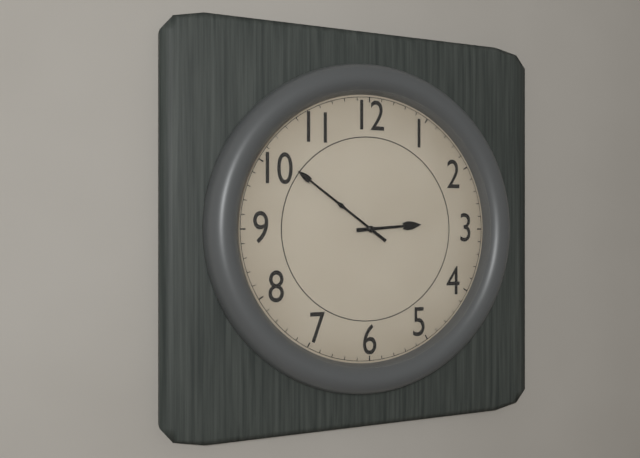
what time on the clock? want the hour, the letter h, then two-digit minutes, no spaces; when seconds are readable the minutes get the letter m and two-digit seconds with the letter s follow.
2h51
